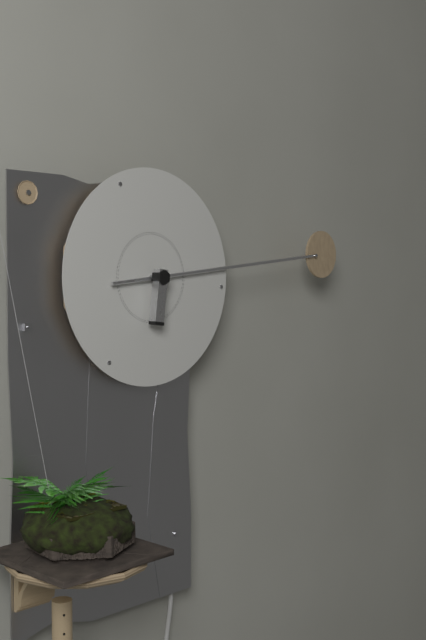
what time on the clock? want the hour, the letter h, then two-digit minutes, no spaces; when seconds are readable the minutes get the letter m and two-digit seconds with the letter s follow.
6h14
